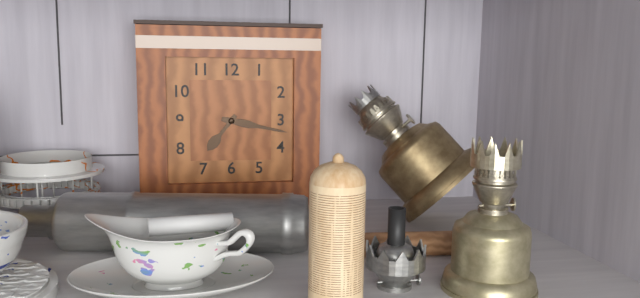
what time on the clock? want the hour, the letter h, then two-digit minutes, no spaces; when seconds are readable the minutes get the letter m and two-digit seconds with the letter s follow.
7h17
